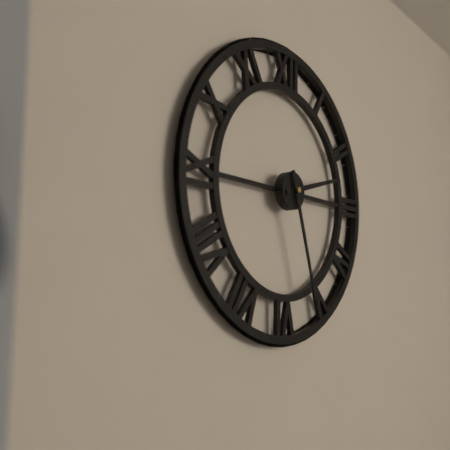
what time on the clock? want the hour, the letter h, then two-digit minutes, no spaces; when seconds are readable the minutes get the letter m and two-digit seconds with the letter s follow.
2h27
